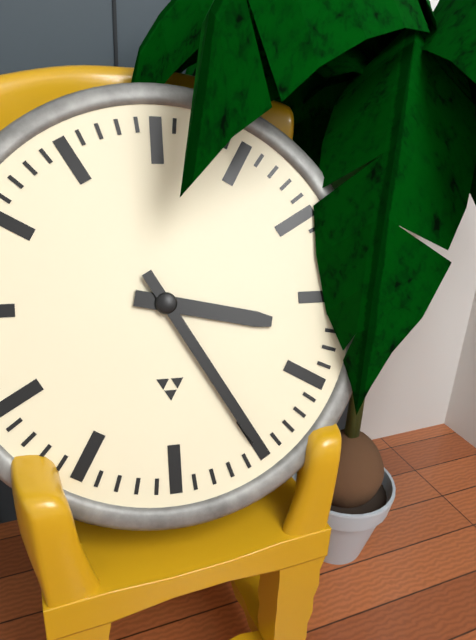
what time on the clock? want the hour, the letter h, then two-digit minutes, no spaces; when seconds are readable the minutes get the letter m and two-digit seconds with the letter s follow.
3h25
